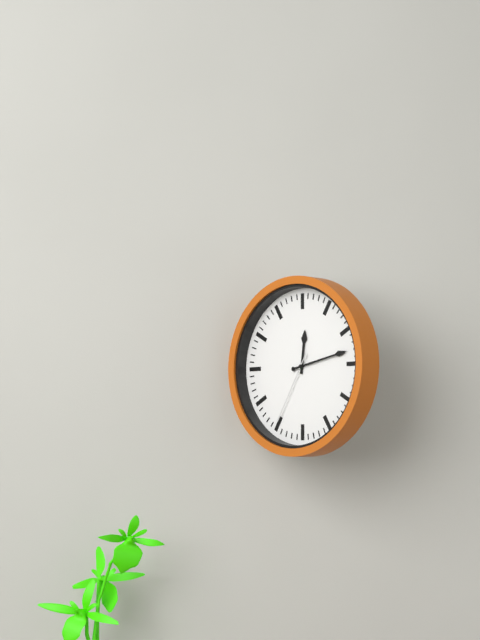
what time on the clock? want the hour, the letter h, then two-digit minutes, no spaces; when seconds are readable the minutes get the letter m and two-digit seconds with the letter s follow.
12h13m35s
